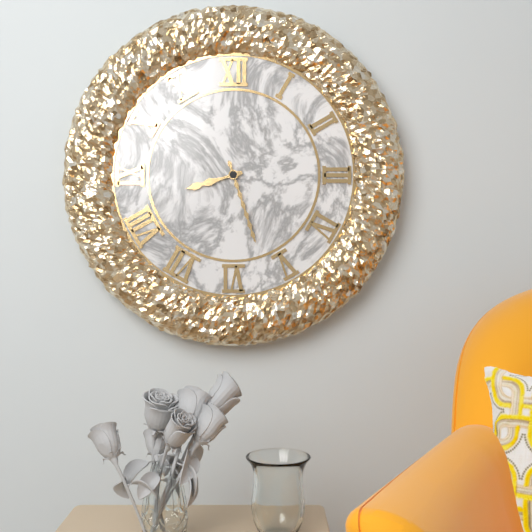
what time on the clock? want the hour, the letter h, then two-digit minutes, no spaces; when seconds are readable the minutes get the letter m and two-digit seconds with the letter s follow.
8h27
